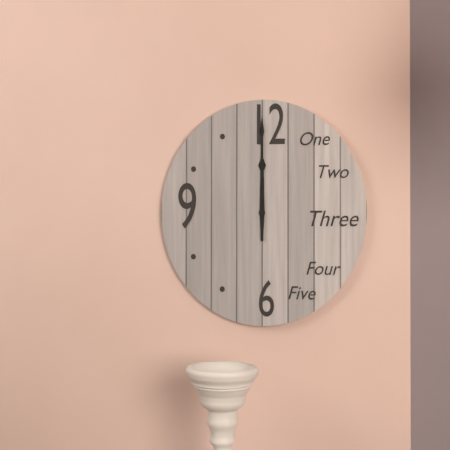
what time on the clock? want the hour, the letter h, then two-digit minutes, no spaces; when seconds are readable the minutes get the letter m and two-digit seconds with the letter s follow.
12h00
